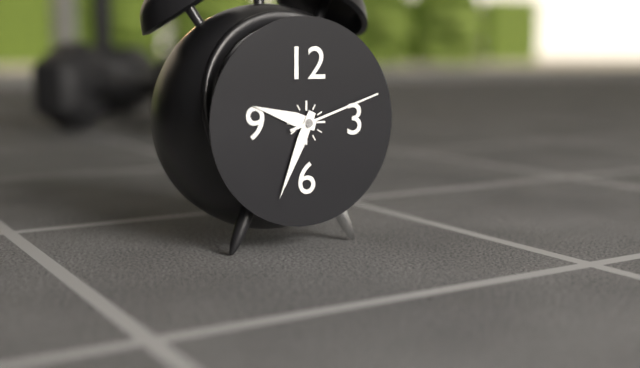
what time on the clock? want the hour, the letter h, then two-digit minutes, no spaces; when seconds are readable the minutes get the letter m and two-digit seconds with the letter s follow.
9h34m12s
